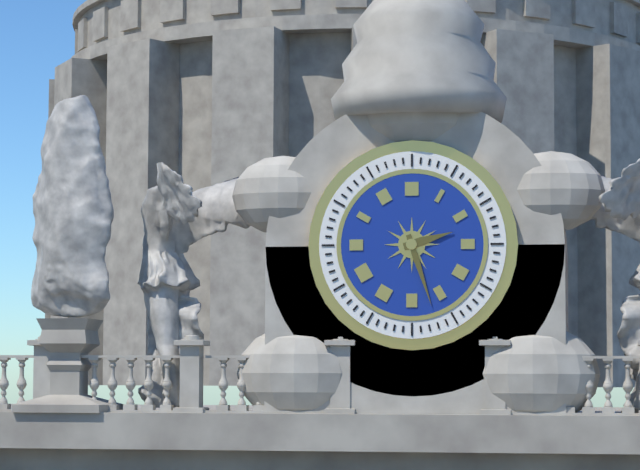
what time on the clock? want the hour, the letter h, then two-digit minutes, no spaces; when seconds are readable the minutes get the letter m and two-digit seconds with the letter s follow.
2h27
